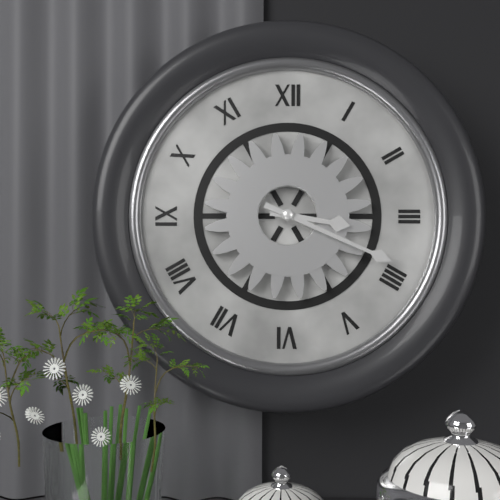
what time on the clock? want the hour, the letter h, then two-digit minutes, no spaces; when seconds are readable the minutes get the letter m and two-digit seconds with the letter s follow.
3h19
